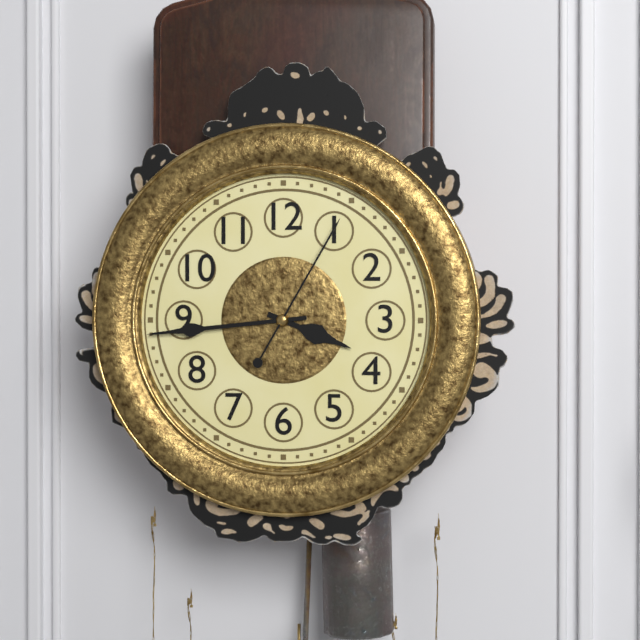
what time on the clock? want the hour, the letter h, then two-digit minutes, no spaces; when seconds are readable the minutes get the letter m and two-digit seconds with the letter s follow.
3h44m05s
